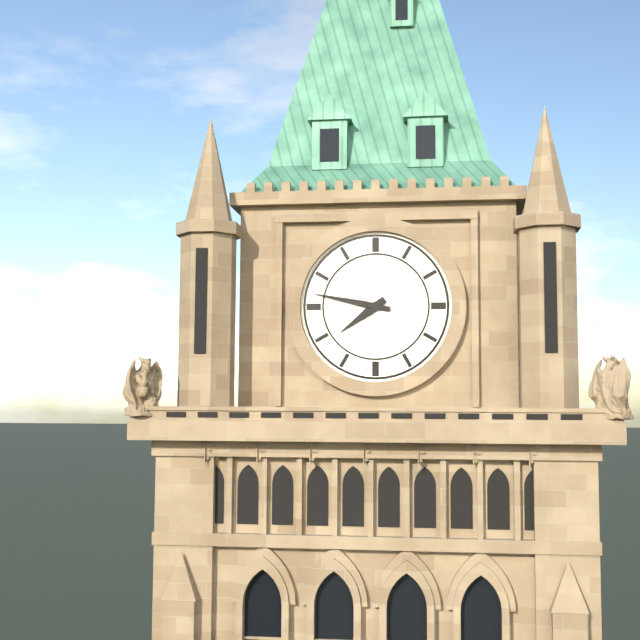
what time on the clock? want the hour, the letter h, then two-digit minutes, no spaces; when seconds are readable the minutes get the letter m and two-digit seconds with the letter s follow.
7h47
